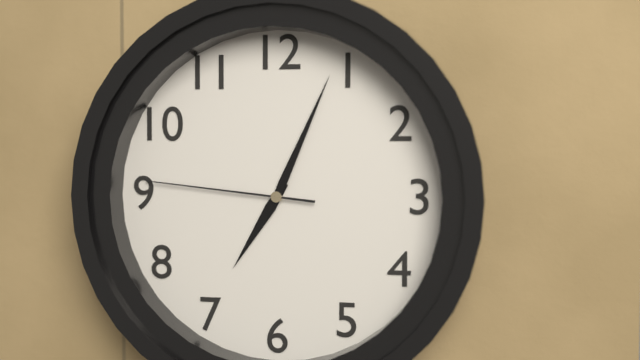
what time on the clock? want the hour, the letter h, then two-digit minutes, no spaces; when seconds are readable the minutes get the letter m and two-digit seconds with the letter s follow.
7h04m46s
